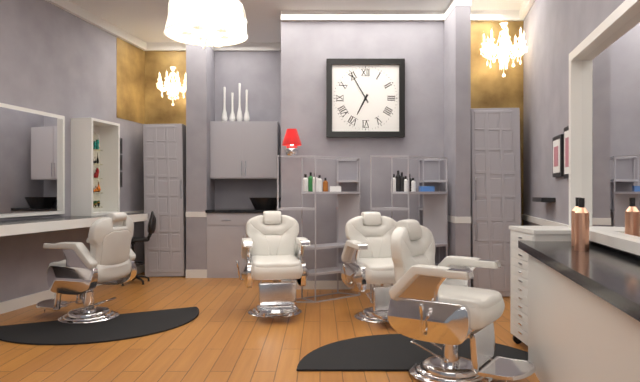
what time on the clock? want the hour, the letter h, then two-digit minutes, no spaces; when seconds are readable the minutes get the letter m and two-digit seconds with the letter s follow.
6h55
